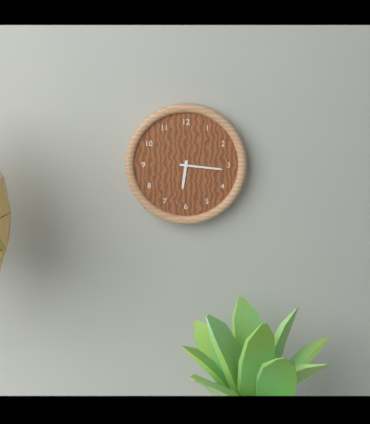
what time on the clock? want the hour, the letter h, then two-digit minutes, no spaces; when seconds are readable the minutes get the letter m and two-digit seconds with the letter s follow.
6h16
